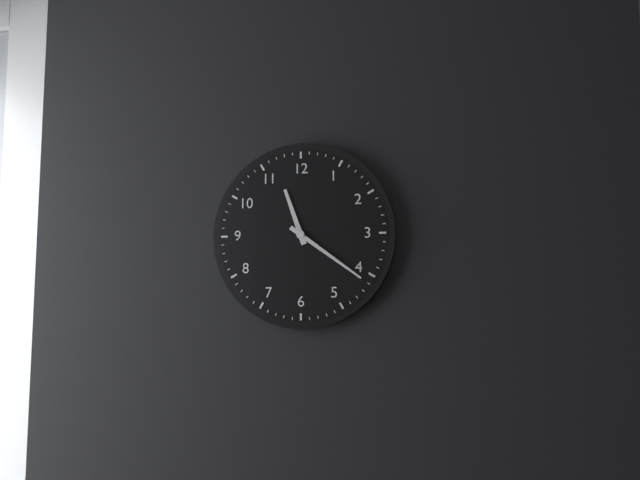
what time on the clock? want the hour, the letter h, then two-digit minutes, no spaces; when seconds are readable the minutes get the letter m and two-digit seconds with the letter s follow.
11h21
